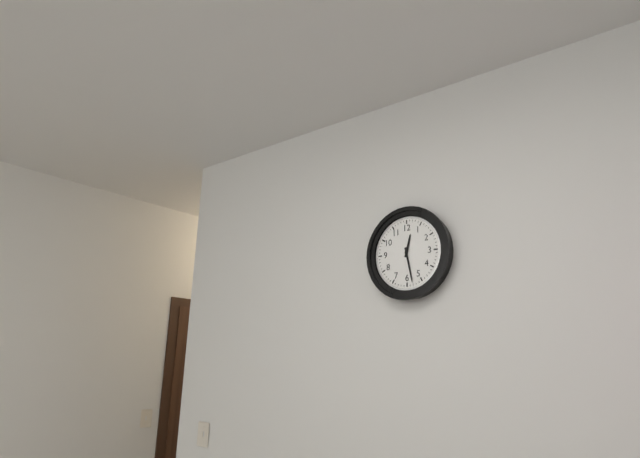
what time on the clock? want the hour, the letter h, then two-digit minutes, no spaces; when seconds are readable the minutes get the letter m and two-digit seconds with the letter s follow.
12h28
